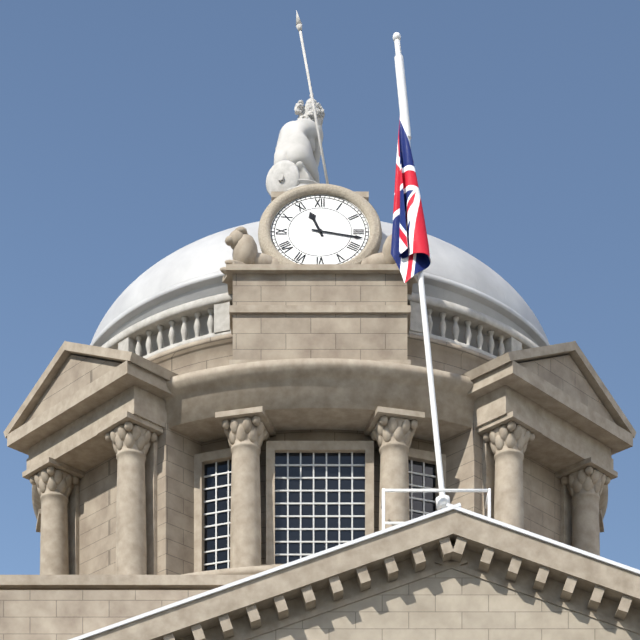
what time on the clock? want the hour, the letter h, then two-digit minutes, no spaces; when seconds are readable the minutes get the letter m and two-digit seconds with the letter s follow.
11h17
